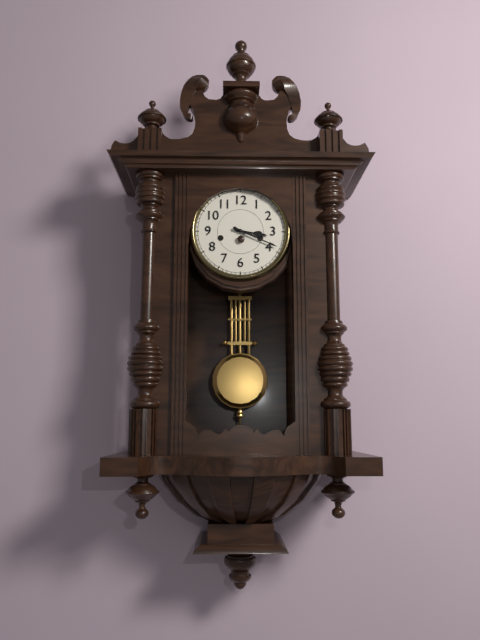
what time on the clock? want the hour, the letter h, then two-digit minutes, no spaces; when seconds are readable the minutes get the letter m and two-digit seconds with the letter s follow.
3h19
